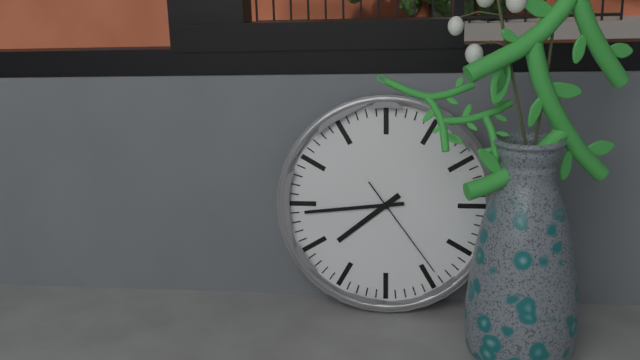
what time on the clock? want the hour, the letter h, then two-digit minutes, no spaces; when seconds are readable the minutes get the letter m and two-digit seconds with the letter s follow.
7h44m24s
